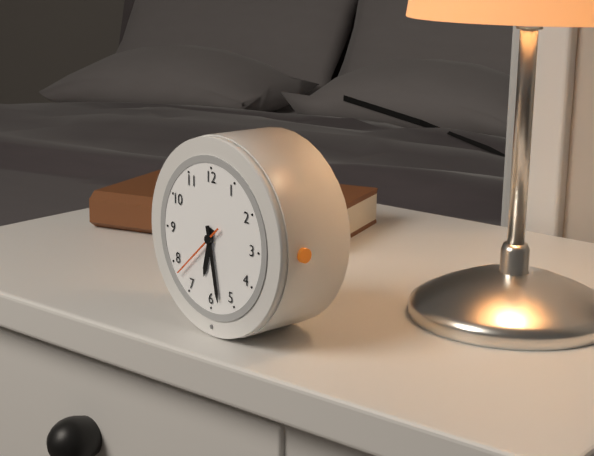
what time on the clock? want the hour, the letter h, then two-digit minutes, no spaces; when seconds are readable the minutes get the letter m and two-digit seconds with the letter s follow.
6h28m38s
